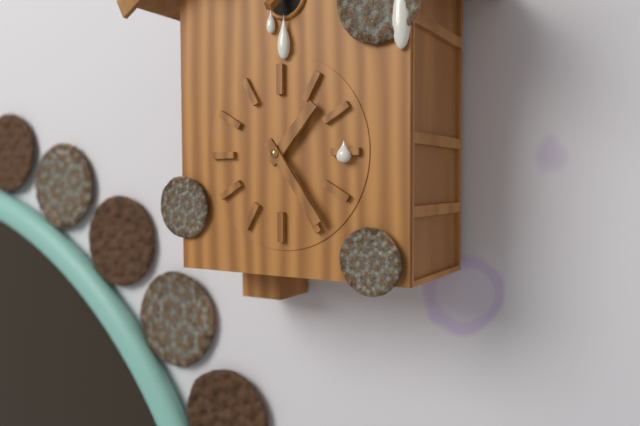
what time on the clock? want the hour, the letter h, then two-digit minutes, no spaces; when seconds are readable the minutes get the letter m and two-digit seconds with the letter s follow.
1h24
